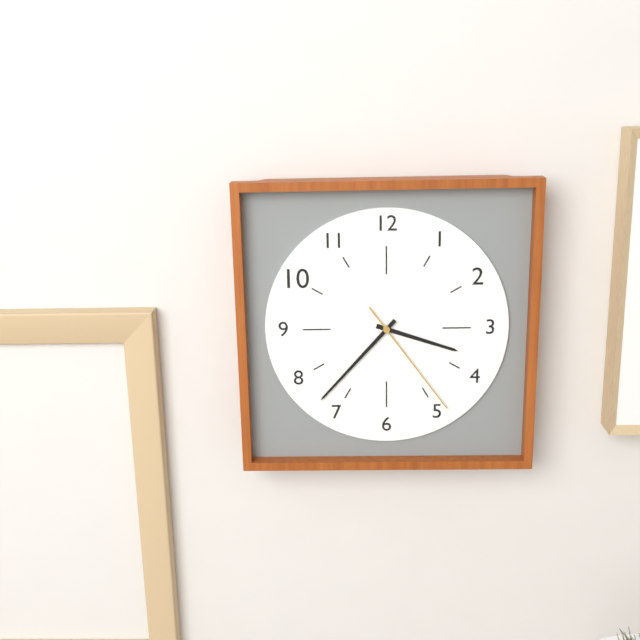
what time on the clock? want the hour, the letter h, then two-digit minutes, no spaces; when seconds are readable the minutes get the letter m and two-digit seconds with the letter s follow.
3h37m24s
